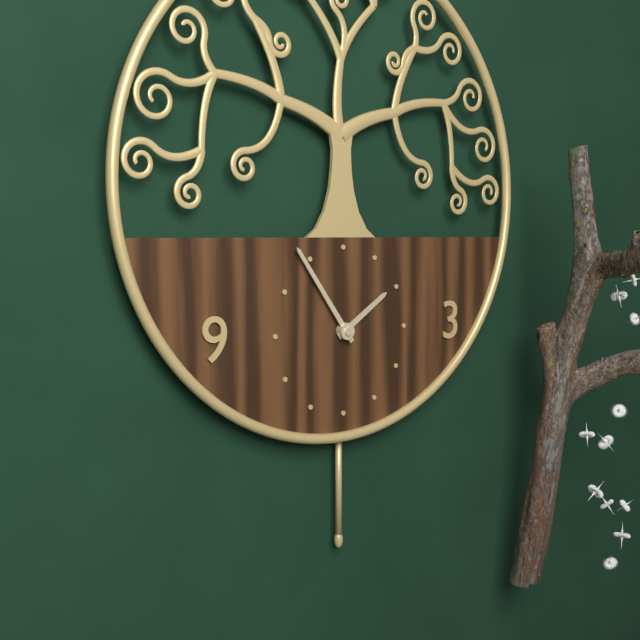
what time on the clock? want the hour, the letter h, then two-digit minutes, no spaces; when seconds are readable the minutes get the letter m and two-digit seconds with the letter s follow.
1h54
